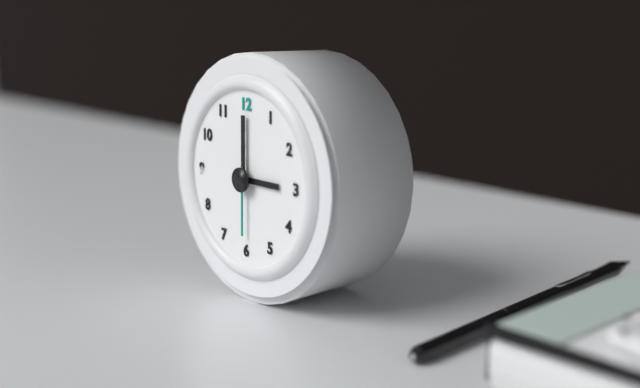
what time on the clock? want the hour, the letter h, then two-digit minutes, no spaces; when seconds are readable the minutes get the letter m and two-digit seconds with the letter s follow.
3h00m30s
